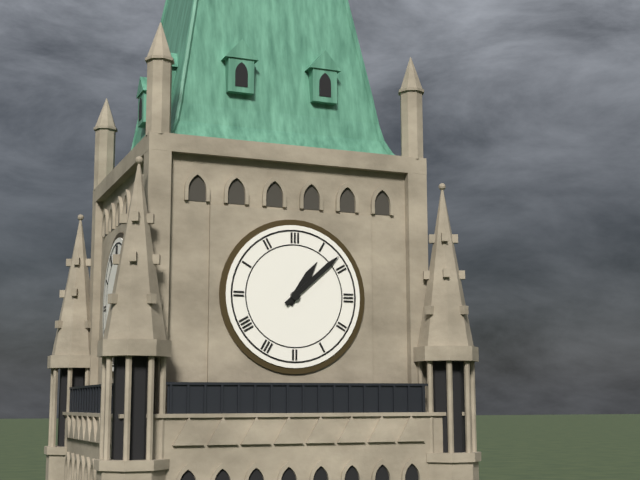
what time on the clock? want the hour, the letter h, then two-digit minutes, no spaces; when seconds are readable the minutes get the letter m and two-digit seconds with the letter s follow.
1h08
